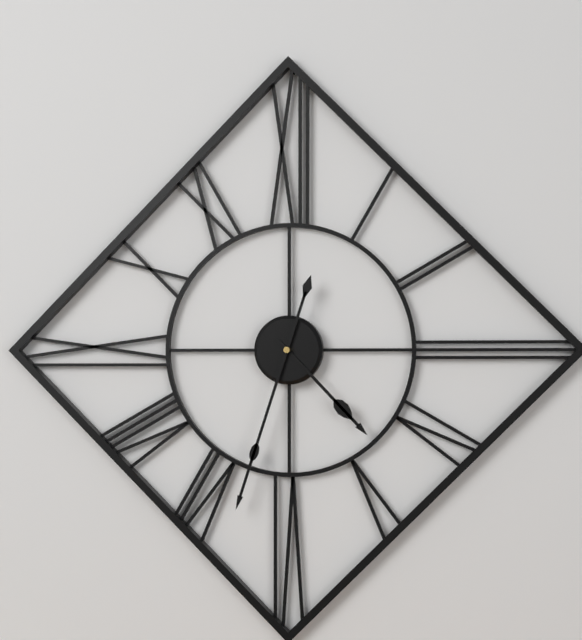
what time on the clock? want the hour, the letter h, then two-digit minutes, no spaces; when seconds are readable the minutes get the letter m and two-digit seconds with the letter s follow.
4h33
